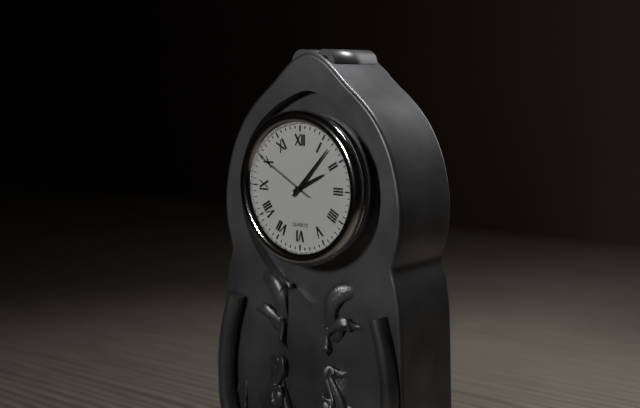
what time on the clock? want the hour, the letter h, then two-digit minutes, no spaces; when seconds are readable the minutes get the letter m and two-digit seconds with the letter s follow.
2h07m50s
